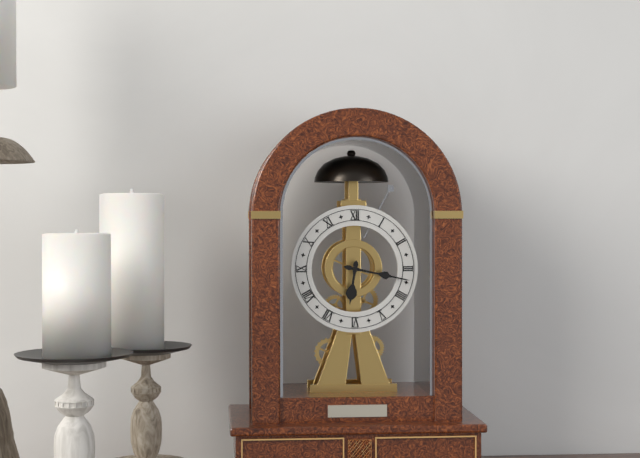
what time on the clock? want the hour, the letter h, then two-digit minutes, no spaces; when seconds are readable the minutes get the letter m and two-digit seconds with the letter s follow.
6h17
